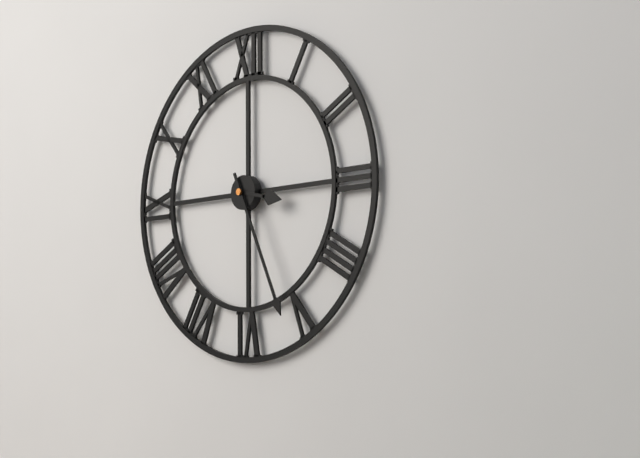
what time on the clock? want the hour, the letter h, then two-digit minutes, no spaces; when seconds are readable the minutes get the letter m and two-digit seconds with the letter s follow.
3h26
